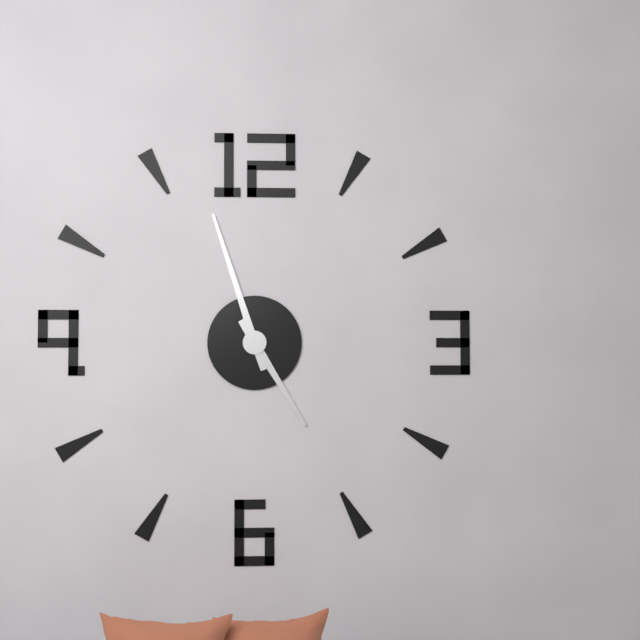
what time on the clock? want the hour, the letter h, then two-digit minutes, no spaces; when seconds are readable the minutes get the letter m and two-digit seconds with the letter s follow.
4h57
